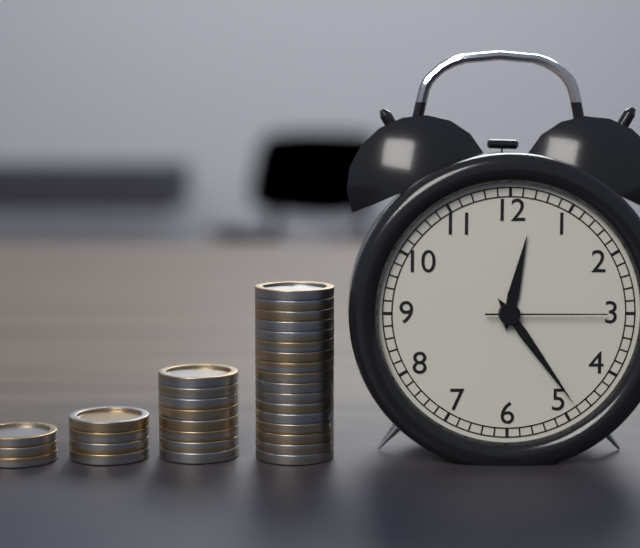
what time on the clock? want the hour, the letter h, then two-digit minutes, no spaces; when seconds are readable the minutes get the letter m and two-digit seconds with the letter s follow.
12h24m15s
